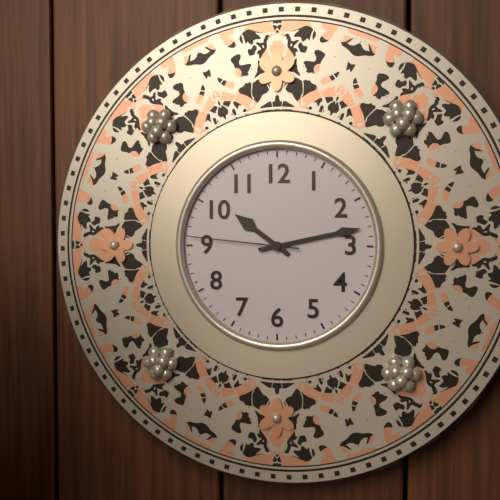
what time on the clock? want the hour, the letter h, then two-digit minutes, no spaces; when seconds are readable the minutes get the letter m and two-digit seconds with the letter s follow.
10h13m46s
